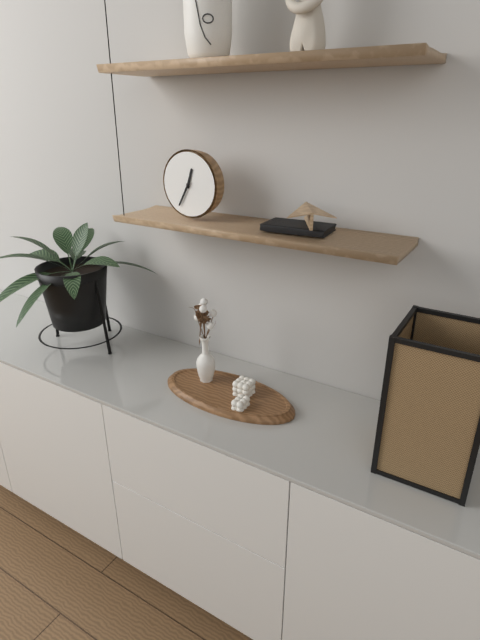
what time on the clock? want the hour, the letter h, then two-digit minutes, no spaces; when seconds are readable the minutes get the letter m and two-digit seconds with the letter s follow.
12h35
